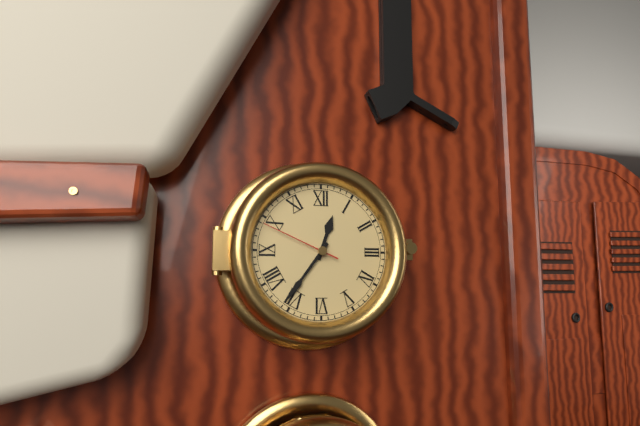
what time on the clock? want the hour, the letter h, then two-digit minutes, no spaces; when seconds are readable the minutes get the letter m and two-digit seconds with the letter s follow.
12h36m49s
